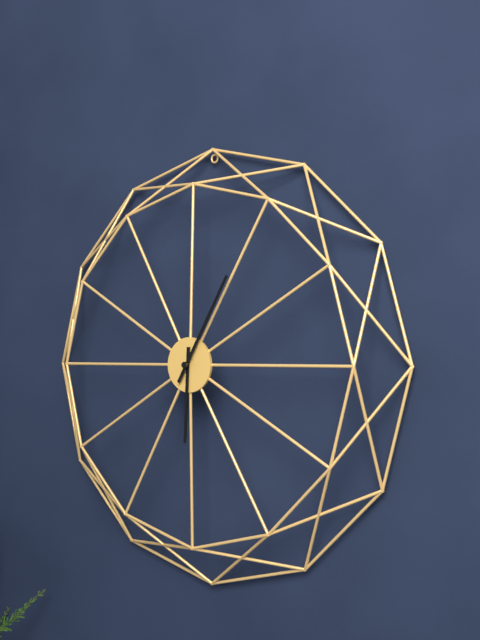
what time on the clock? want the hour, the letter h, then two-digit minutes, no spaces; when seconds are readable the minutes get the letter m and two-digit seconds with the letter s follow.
6h05
